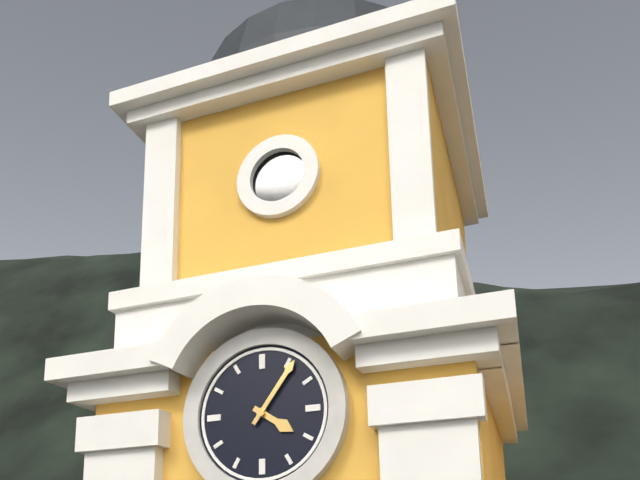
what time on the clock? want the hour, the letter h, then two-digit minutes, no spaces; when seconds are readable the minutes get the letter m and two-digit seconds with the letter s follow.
4h06
